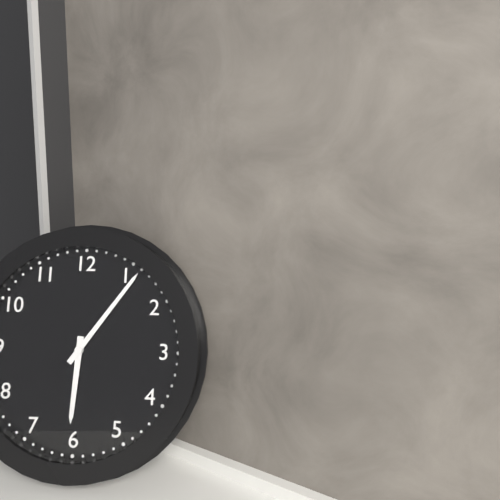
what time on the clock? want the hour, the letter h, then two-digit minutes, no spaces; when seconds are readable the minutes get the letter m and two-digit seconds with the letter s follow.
6h06
